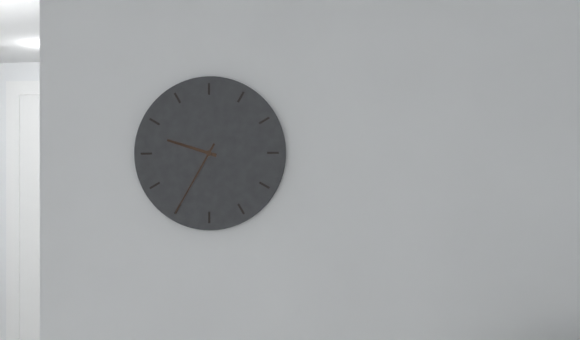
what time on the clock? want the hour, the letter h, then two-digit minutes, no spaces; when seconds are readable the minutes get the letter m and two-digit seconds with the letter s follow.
9h35
